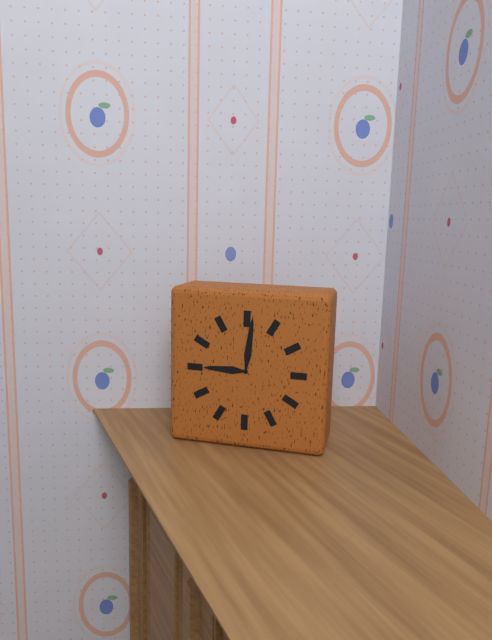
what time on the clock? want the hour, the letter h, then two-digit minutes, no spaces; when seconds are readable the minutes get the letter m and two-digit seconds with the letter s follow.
9h01
